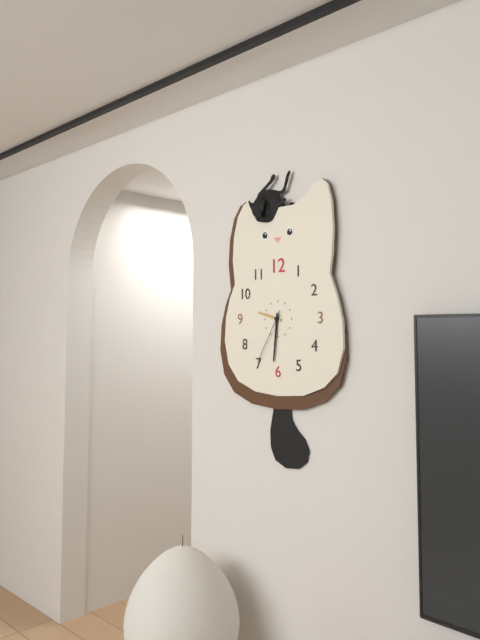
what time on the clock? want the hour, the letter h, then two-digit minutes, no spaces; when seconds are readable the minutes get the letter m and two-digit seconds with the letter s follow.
9h31m35s
